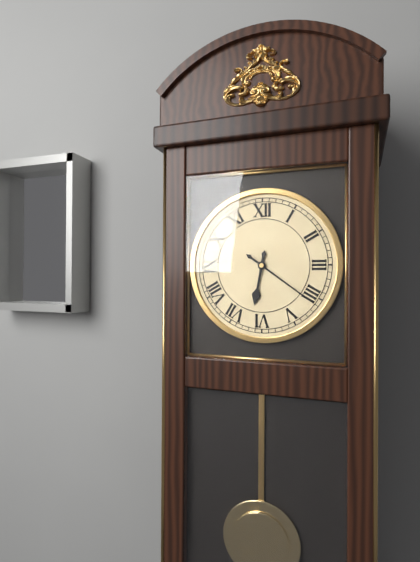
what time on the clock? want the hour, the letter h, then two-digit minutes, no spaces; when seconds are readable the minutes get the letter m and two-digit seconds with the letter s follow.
6h21
